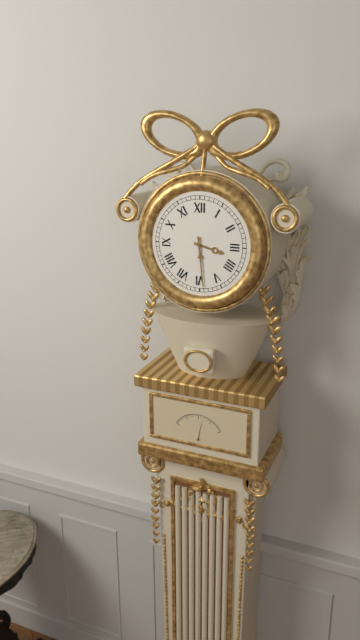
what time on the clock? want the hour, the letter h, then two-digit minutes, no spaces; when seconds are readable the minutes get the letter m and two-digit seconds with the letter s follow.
3h29
